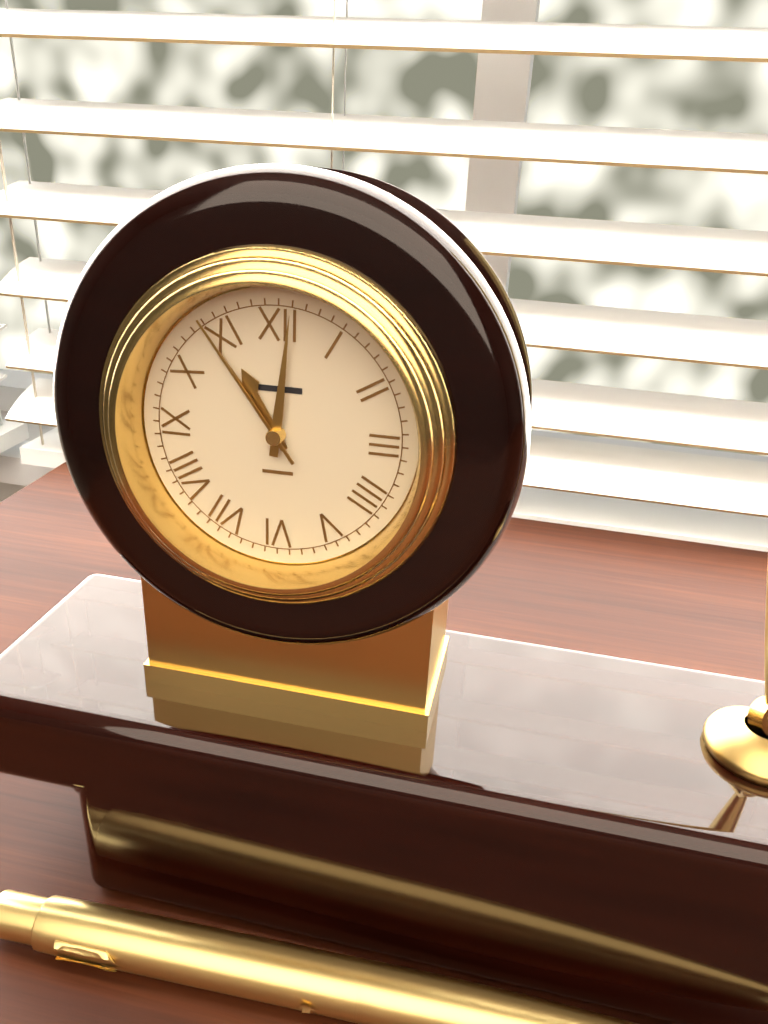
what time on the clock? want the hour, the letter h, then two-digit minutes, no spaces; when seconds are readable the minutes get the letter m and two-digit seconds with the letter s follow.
11h01m54s
